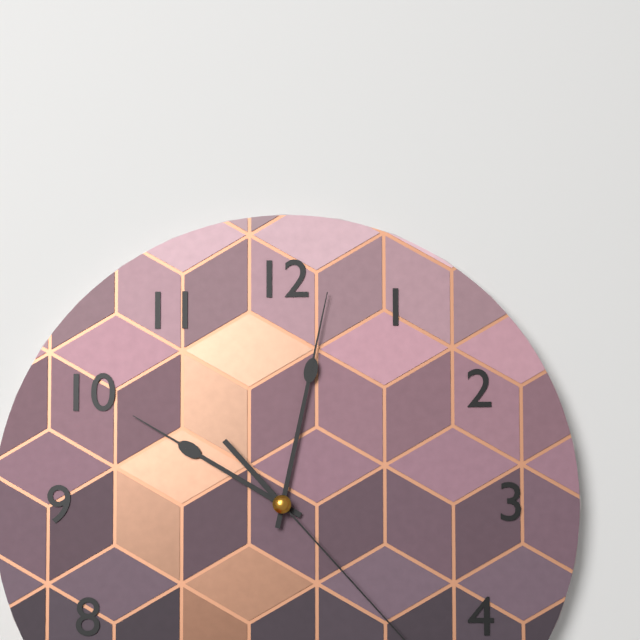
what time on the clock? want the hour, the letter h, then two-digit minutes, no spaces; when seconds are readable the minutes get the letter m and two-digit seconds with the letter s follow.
10h02
